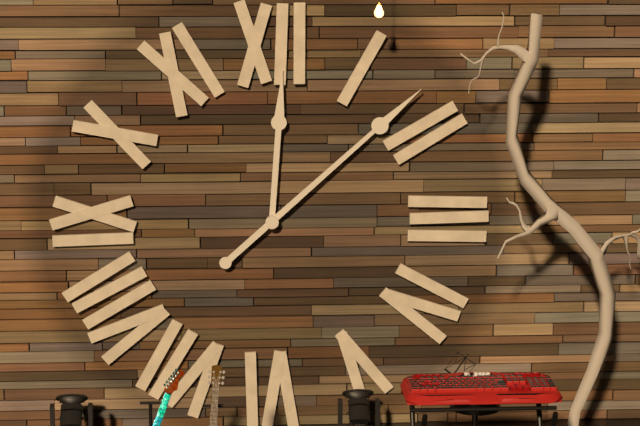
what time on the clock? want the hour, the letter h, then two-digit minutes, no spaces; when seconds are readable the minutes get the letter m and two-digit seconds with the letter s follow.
12h08
